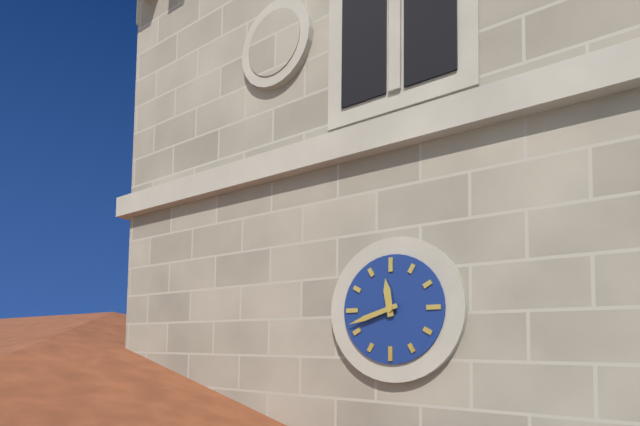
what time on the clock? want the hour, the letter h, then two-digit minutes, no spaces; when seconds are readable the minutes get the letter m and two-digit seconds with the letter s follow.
11h42
